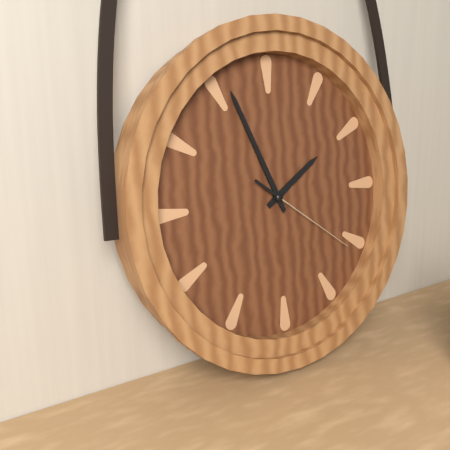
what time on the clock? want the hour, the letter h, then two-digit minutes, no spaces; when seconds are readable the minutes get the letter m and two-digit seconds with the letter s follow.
1h56m21s
